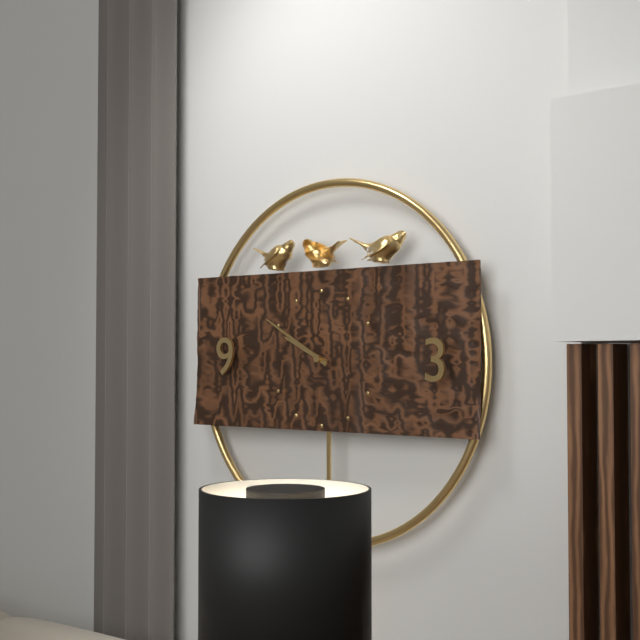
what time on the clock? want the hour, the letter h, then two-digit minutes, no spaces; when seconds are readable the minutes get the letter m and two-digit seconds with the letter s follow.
9h50
